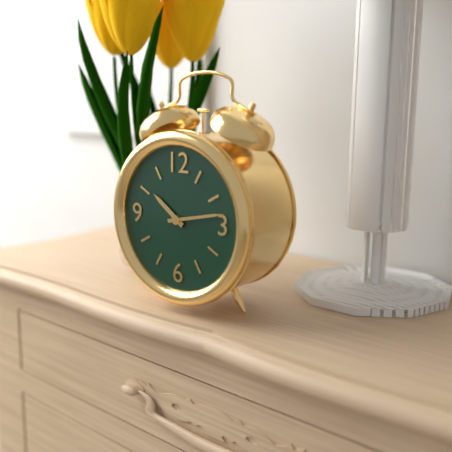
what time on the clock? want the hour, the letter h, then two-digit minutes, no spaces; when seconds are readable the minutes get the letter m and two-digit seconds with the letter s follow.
10h13
